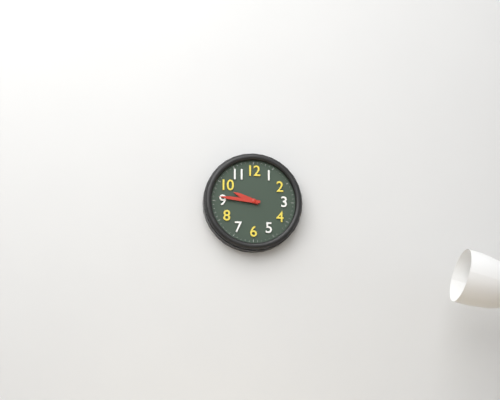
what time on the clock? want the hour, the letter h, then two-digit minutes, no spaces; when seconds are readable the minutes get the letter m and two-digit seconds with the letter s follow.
9h46
